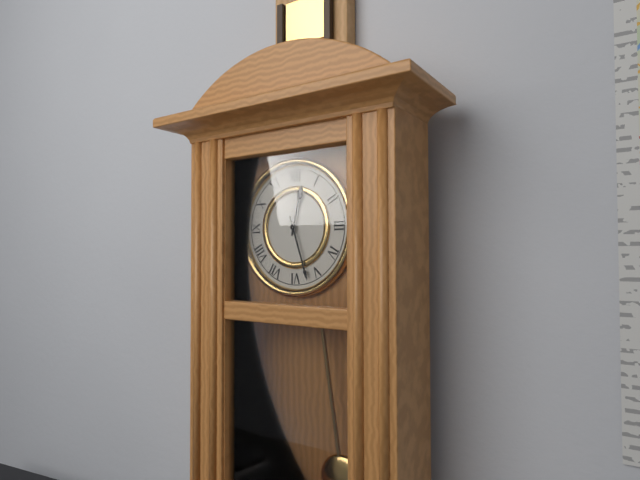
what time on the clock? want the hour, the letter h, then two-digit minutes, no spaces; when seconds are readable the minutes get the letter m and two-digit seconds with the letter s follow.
12h27
